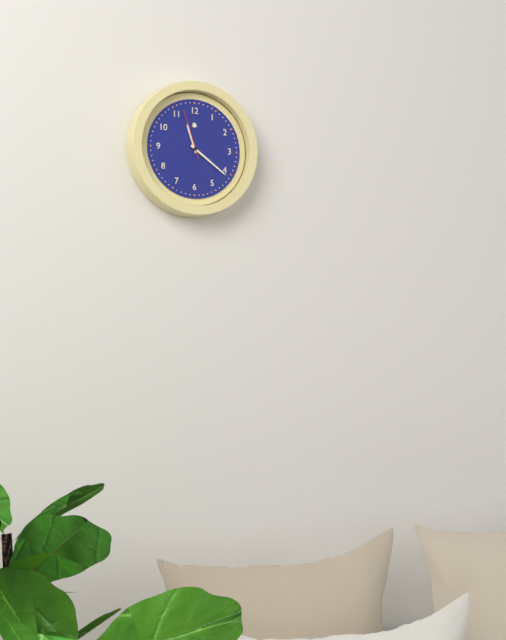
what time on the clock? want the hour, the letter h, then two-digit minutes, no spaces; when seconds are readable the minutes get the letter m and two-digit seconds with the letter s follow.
11h21m57s
